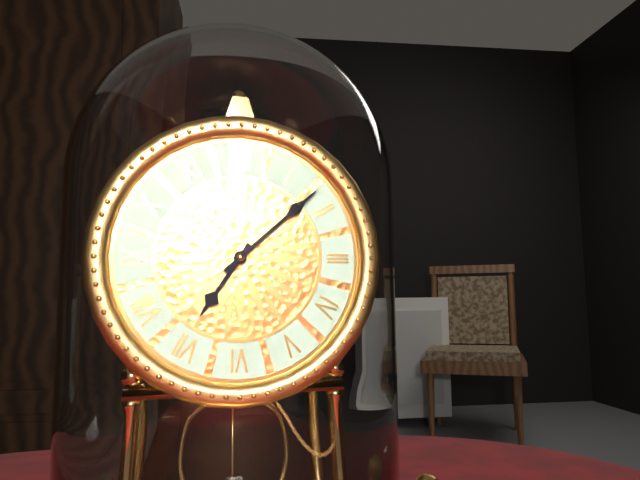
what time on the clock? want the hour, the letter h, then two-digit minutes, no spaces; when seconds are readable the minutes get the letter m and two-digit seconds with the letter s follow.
7h08
